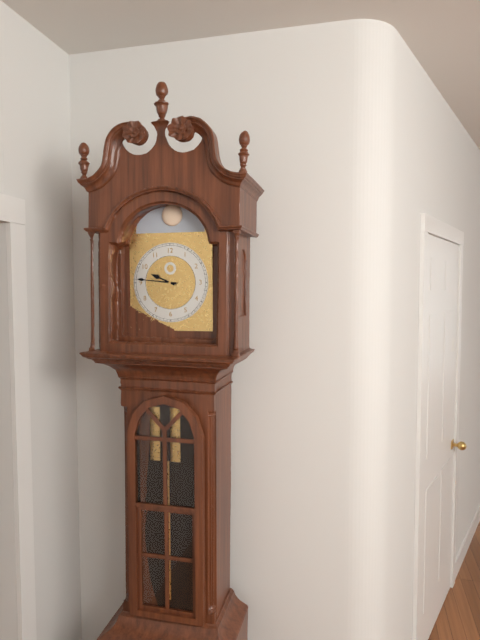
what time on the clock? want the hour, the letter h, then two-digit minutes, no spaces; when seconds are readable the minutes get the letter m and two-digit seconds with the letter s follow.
9h46
